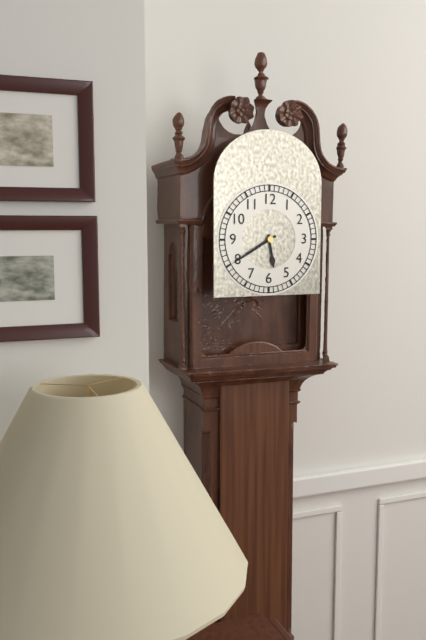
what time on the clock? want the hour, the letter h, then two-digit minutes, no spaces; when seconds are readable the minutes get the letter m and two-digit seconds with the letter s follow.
5h40
